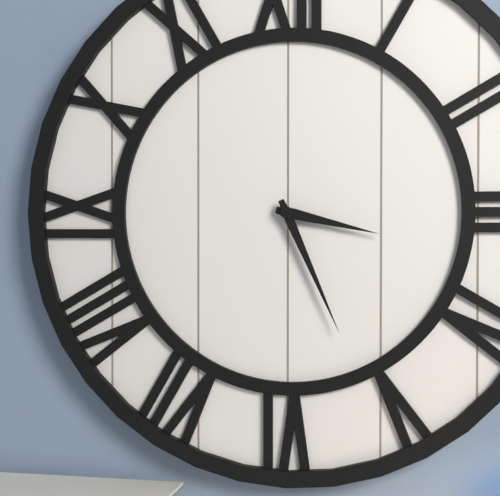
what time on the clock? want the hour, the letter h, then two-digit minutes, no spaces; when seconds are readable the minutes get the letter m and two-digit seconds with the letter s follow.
3h26
